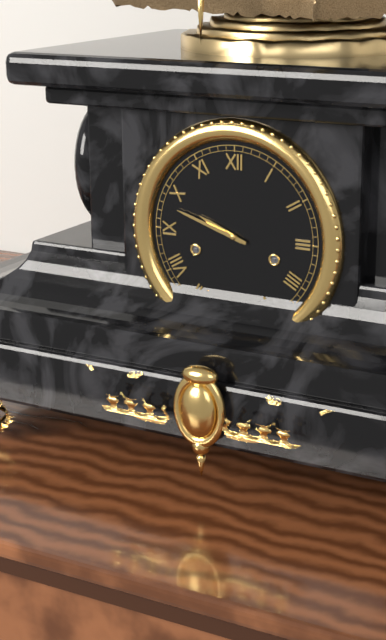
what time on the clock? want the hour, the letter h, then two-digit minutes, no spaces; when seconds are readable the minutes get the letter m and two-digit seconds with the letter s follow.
9h48
